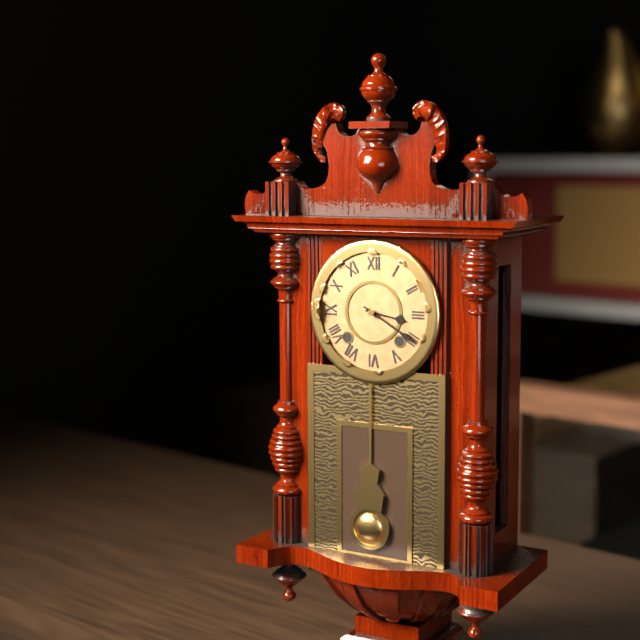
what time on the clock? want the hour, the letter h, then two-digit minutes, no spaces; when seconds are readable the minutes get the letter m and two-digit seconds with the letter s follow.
3h20
